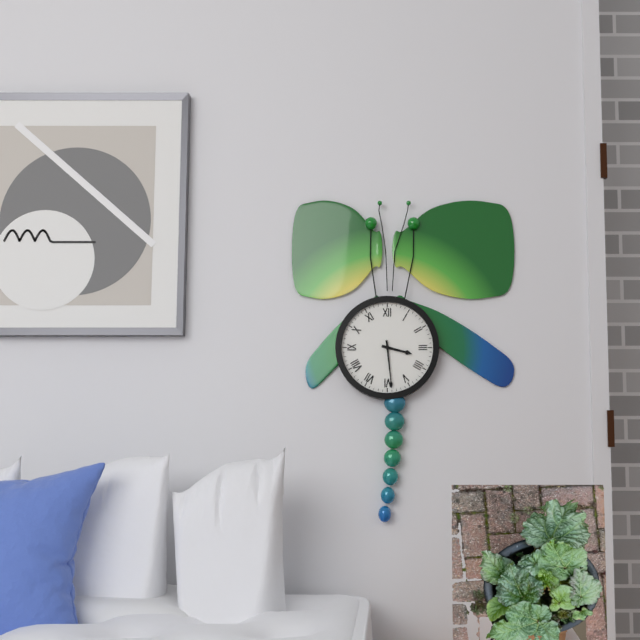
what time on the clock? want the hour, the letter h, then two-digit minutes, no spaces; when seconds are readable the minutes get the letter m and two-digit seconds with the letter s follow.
3h29
